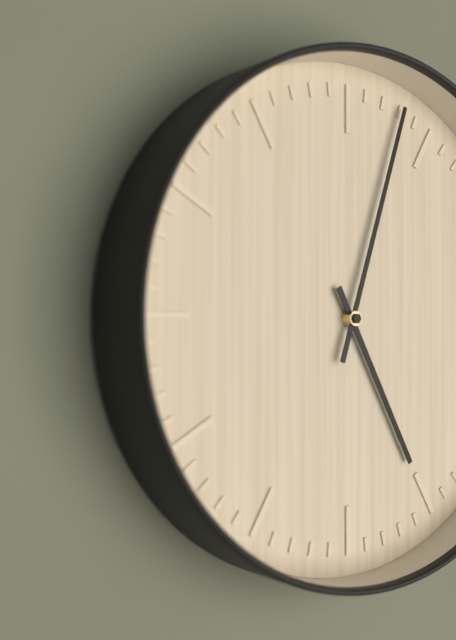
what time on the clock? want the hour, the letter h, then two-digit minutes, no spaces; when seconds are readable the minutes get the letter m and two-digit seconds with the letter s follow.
5h03
